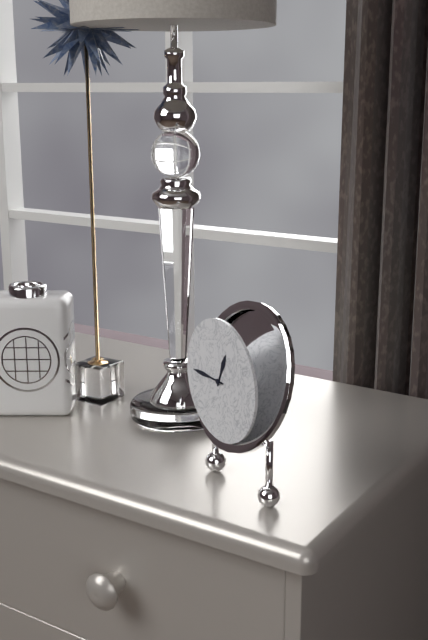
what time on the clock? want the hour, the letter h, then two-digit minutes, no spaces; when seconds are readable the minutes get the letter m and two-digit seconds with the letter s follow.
12h45
